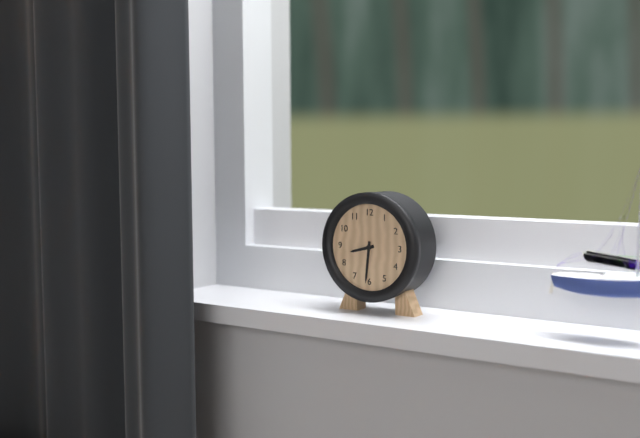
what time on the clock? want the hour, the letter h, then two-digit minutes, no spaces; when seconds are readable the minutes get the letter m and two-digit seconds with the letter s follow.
8h31
